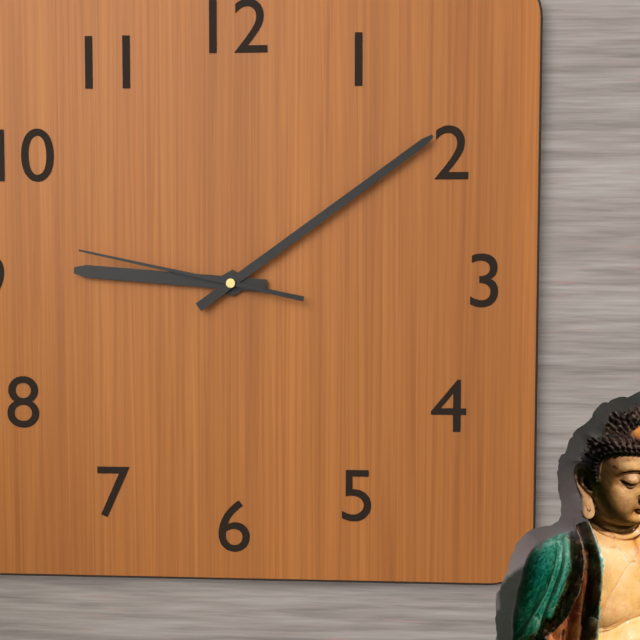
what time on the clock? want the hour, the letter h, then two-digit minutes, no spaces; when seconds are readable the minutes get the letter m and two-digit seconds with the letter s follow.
9h09m47s
